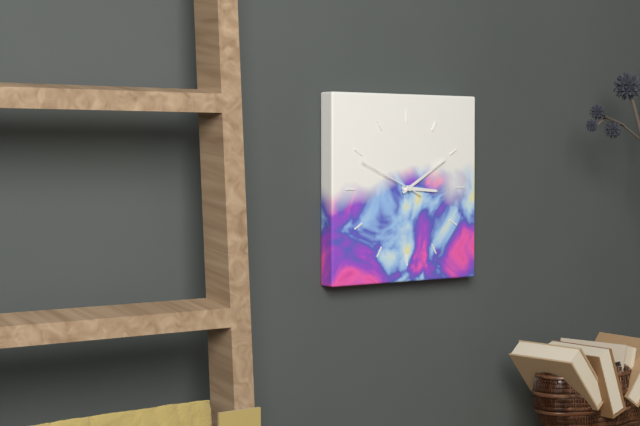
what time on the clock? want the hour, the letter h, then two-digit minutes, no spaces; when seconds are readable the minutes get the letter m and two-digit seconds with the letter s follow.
3h10m49s
